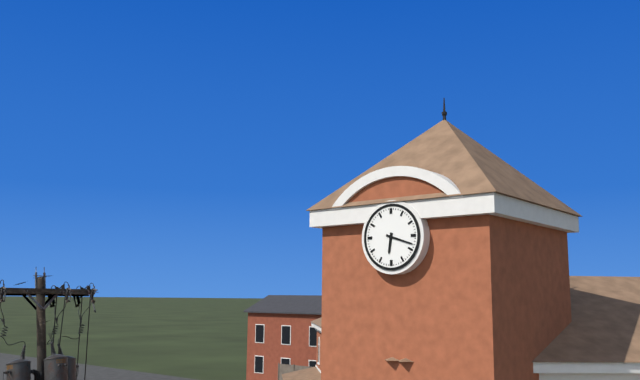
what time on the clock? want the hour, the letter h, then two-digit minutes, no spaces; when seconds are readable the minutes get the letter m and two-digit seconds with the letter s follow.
6h18
